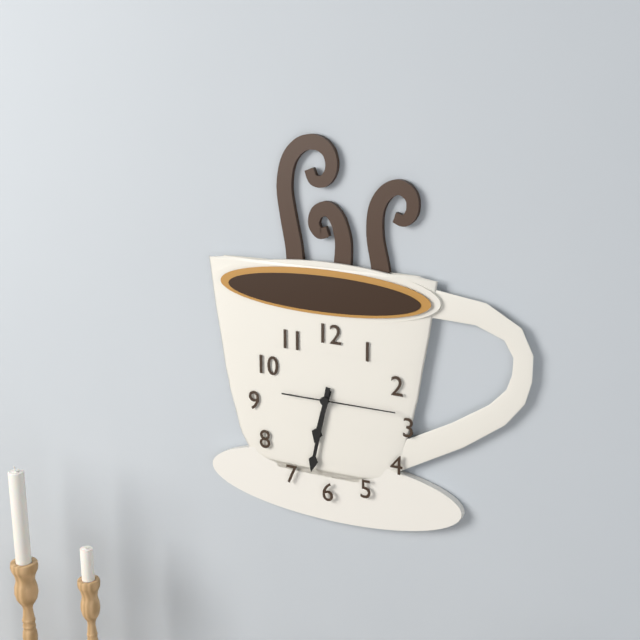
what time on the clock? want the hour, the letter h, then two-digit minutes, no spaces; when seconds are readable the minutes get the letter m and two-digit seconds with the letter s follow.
6h32m15s
